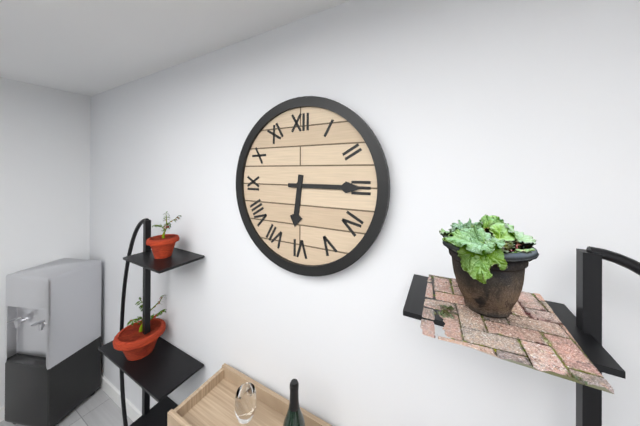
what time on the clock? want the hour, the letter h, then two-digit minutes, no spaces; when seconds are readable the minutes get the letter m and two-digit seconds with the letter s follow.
6h15
